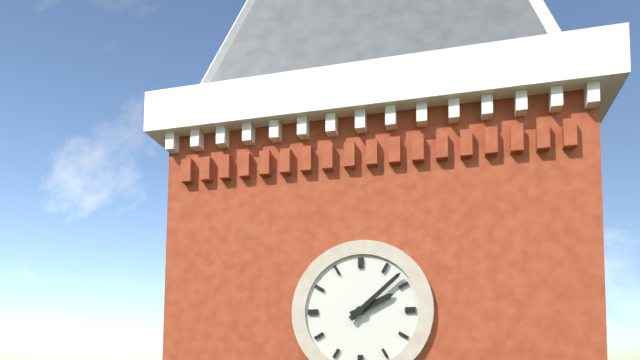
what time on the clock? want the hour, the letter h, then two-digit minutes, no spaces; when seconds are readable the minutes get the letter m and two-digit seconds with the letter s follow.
2h08
